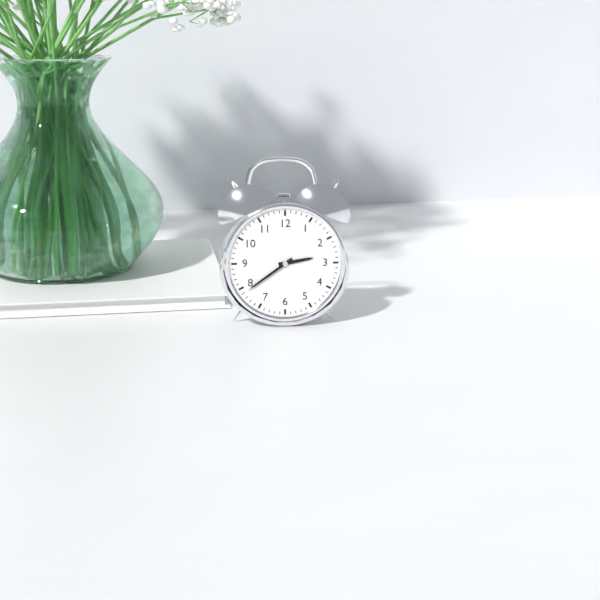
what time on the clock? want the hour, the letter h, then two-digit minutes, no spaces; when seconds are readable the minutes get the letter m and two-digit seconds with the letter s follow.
2h39
